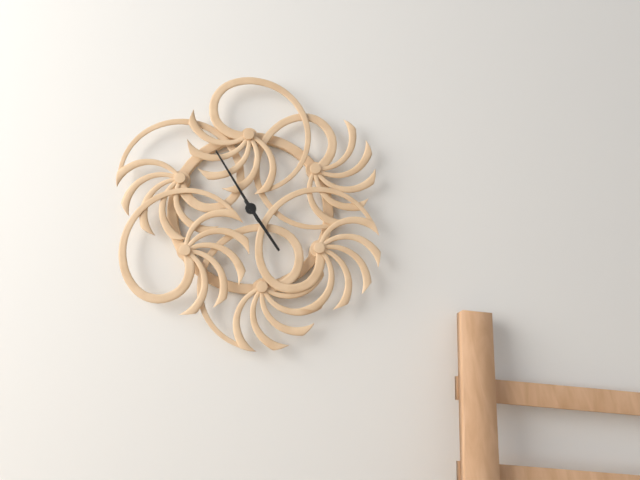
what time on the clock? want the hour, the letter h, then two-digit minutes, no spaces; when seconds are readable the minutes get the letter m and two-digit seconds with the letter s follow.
4h55
